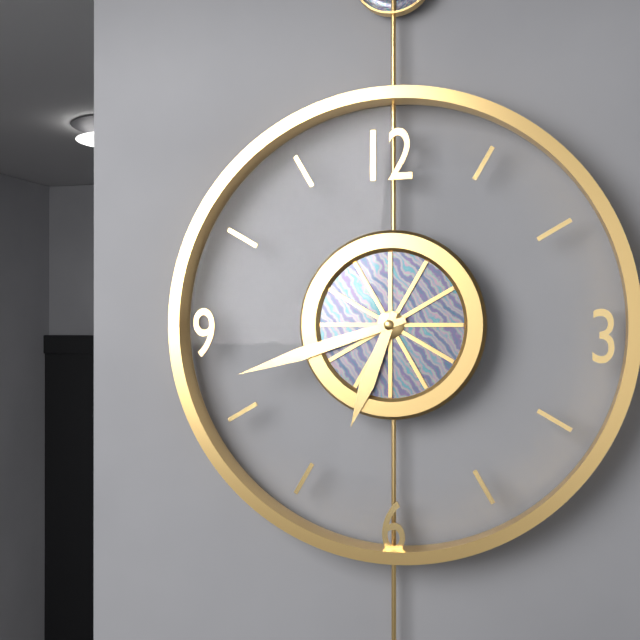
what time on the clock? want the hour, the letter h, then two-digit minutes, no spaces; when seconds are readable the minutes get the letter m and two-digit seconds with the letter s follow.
6h42
